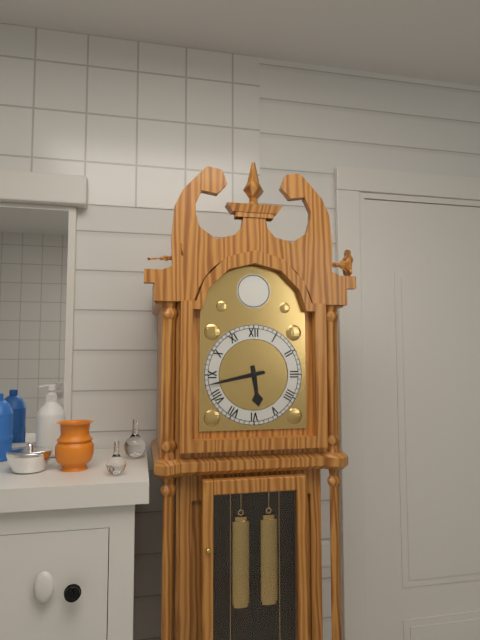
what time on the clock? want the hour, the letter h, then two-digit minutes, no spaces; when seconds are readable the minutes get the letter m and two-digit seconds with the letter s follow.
5h43
